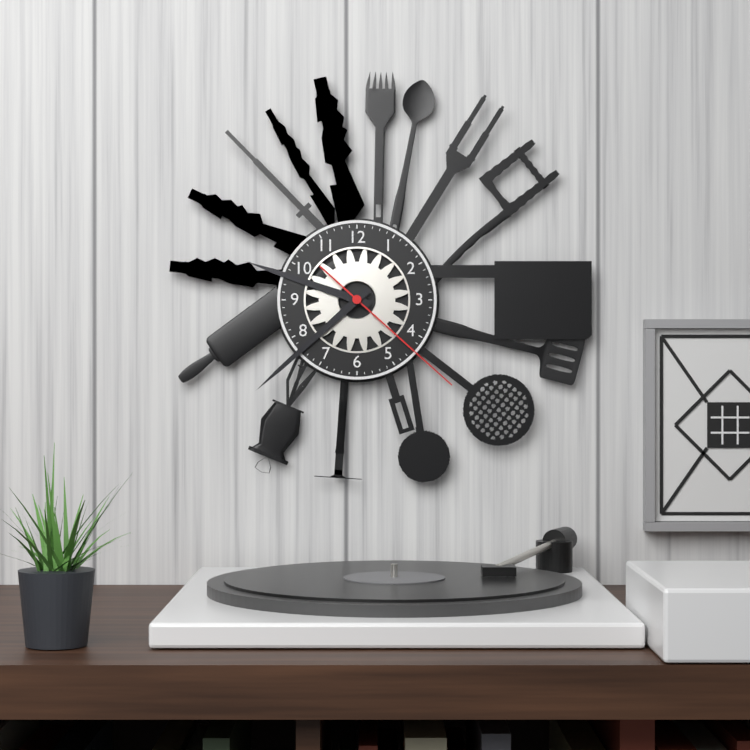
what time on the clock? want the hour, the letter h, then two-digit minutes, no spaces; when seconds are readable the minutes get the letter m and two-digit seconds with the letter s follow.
9h38m22s
